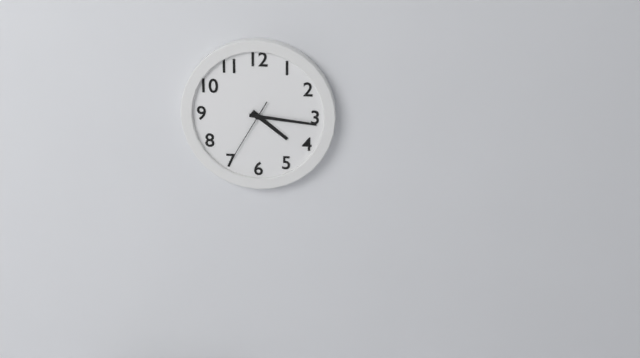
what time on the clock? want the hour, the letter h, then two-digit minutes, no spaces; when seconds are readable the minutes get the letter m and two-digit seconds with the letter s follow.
4h16m35s
